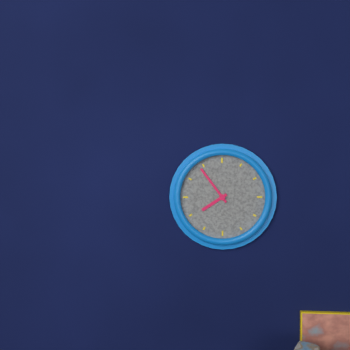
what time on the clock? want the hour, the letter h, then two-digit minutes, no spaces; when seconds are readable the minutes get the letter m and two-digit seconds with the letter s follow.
7h54
